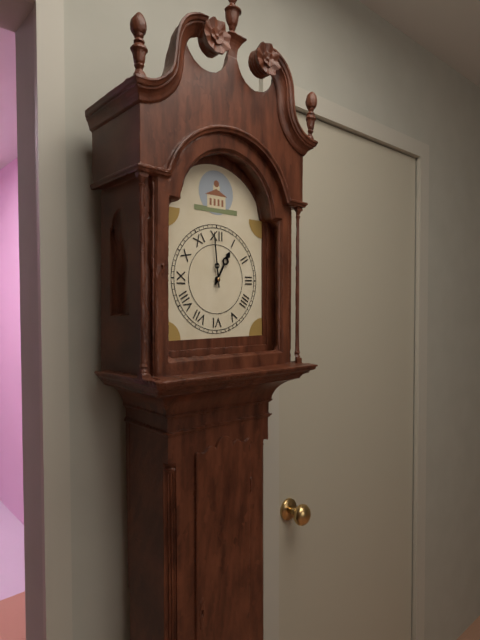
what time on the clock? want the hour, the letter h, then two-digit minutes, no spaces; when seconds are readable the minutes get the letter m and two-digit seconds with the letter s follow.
12h59
